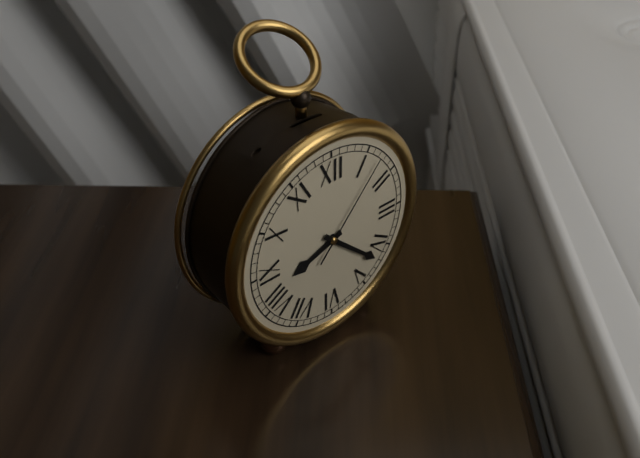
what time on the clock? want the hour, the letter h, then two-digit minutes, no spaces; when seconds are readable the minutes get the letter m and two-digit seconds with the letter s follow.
8h22m07s
